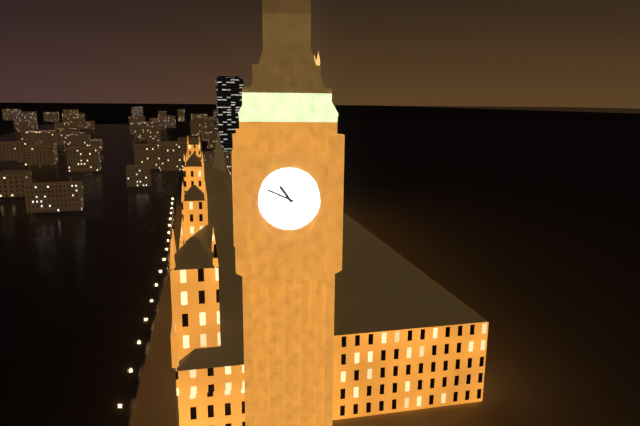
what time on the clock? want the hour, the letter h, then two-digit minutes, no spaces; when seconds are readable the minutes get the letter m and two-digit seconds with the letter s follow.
10h49
